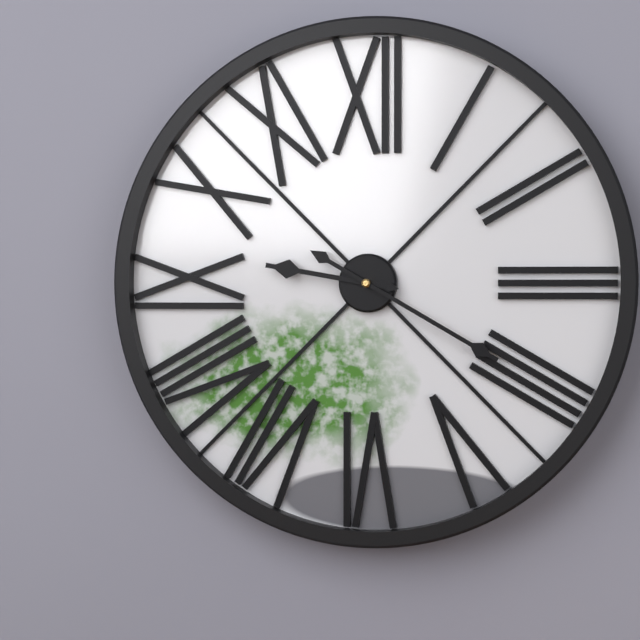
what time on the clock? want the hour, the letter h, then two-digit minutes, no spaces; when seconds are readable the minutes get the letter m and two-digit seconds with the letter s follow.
9h20
